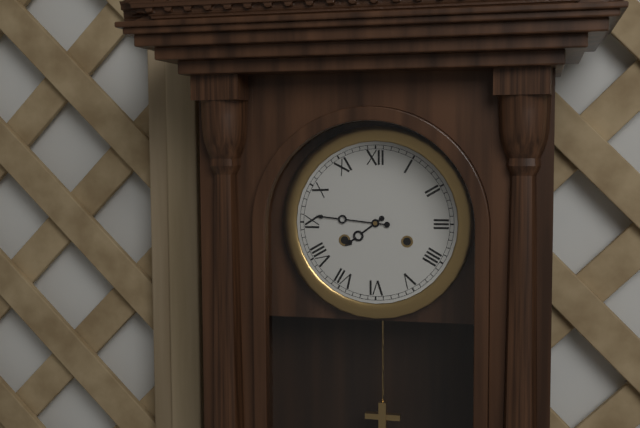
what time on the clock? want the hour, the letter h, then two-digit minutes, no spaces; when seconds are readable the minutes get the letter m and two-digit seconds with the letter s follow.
7h46
